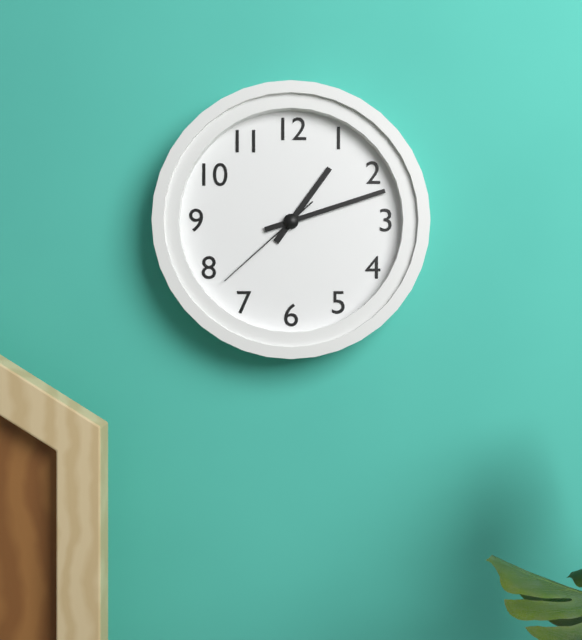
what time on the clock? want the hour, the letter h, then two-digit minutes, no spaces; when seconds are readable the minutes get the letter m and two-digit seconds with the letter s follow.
1h12m38s
